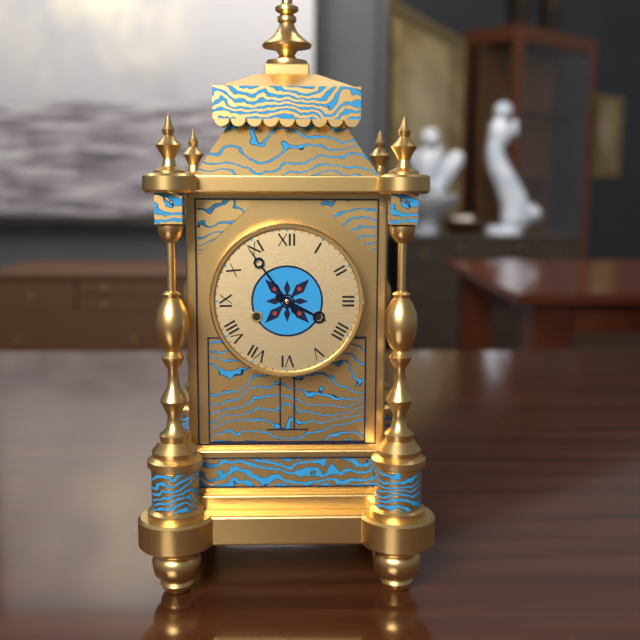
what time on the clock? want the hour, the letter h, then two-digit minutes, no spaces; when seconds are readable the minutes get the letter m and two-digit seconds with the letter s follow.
3h54
